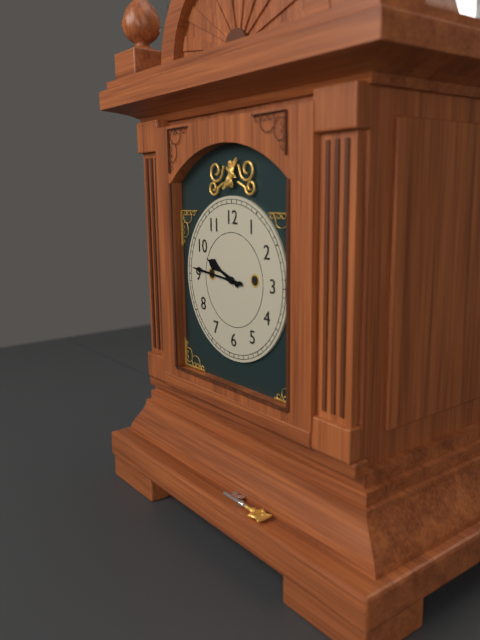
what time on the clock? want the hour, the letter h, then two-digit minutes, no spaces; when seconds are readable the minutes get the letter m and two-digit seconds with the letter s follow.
9h46
